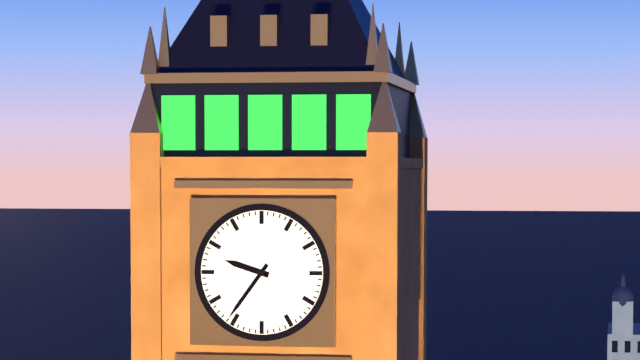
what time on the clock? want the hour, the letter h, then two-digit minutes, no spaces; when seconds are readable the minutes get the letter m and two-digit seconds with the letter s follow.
9h36
